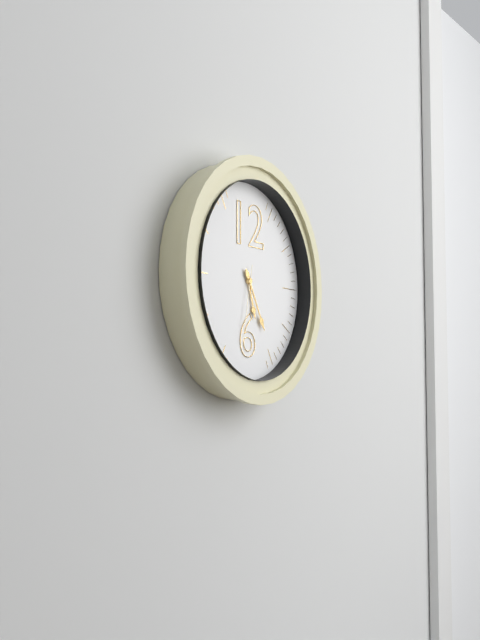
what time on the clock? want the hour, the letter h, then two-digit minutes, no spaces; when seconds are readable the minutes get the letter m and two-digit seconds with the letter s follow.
5h25m32s
